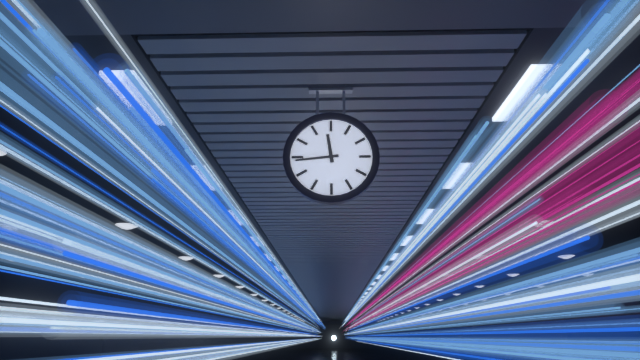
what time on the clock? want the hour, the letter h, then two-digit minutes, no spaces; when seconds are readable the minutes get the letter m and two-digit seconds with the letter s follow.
11h44
